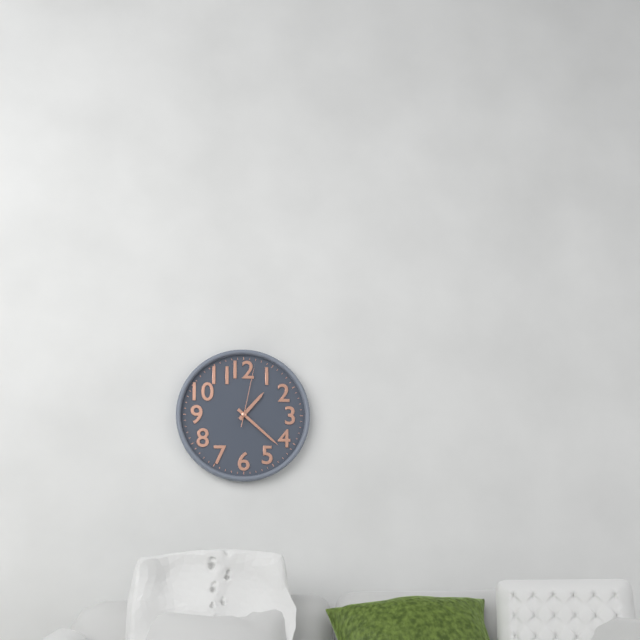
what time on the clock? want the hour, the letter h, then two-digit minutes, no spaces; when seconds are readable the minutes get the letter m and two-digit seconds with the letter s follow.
1h22m02s
